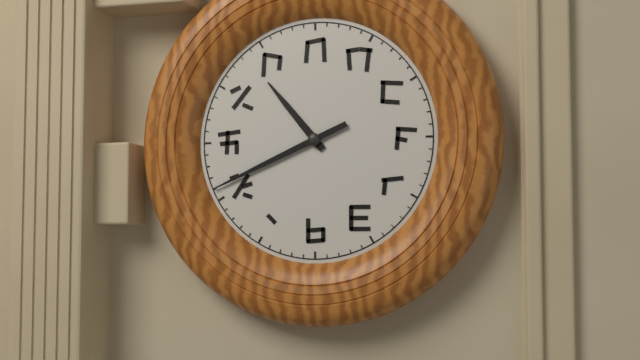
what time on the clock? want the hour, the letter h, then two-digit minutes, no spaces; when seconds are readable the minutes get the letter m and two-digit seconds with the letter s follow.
10h41
